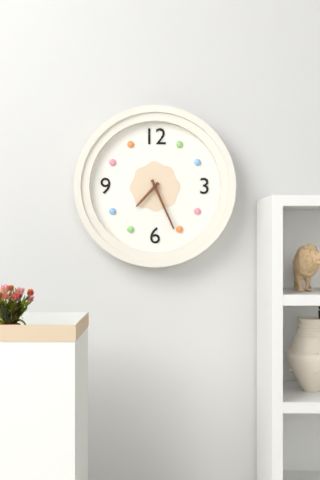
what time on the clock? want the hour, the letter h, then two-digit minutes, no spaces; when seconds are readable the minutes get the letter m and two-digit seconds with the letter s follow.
7h26
